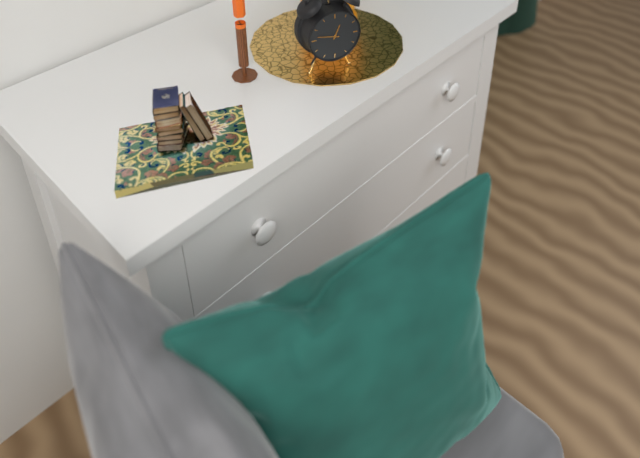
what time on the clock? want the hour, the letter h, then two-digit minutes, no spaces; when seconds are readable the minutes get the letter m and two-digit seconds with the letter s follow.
12h47
